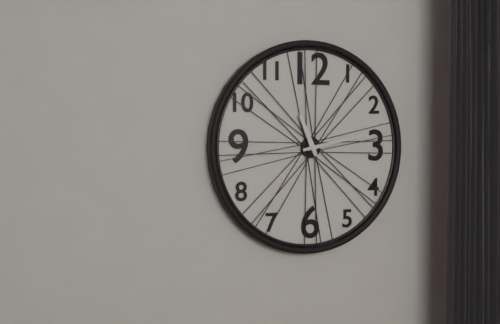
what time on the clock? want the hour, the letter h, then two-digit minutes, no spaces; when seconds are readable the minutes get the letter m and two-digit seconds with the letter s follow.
11h13
